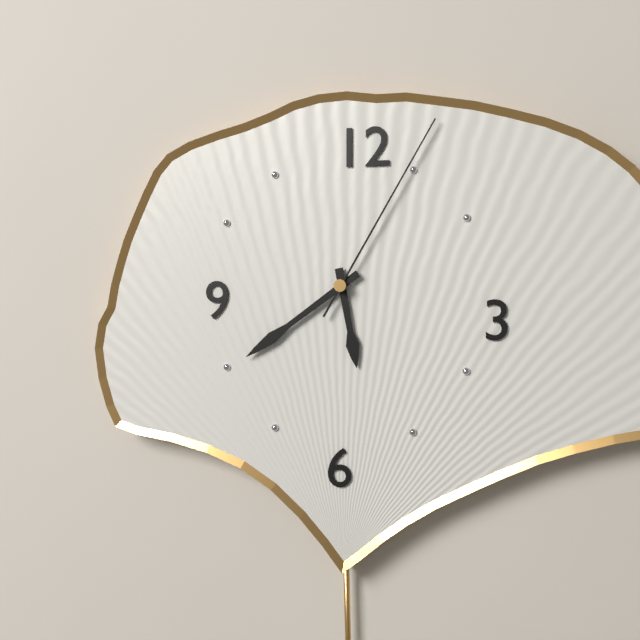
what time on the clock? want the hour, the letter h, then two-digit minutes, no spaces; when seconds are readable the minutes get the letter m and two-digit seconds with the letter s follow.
5h39m05s
